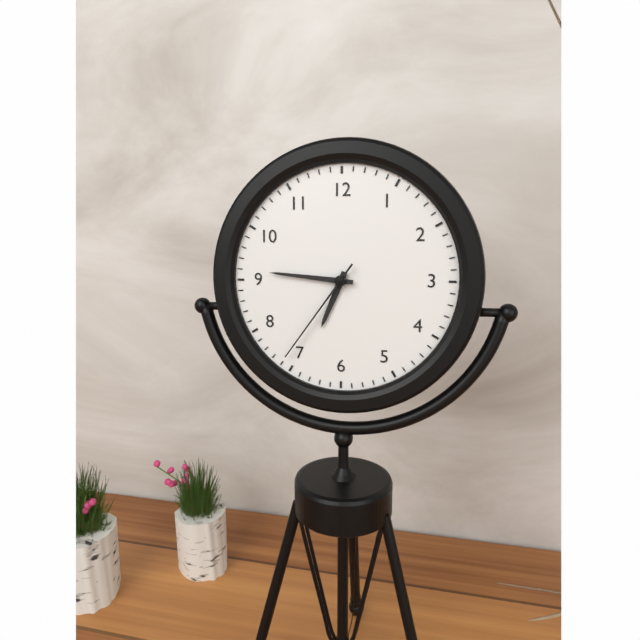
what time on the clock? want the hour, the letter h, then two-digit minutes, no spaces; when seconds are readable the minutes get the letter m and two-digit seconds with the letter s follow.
6h46m36s
